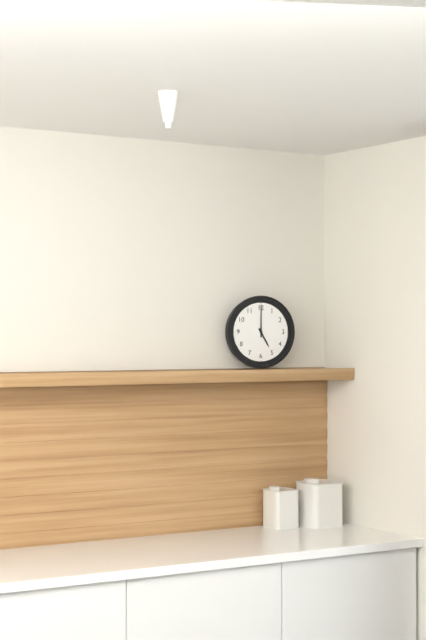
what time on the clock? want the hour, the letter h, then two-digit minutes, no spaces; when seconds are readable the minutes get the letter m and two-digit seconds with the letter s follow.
5h00
